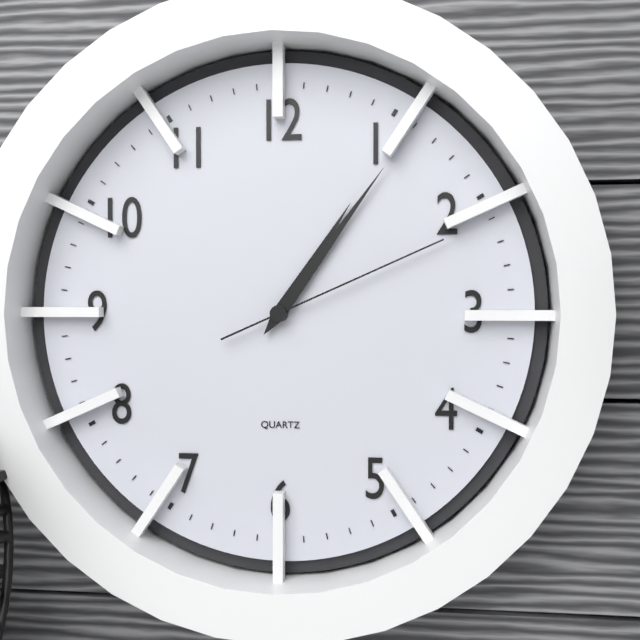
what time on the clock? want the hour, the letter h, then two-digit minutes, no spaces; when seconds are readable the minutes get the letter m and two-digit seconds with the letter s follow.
1h06m11s
